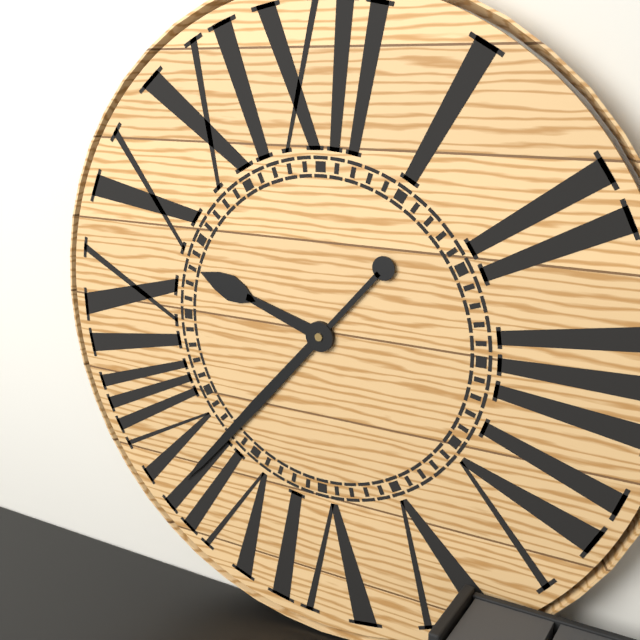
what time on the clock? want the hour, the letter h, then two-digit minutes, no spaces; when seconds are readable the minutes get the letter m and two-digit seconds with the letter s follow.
9h37
